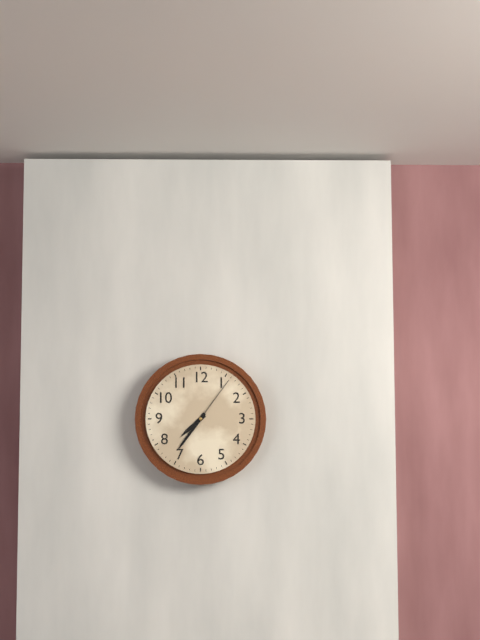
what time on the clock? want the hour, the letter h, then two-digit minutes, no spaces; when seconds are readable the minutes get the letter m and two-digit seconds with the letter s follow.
7h36m06s
